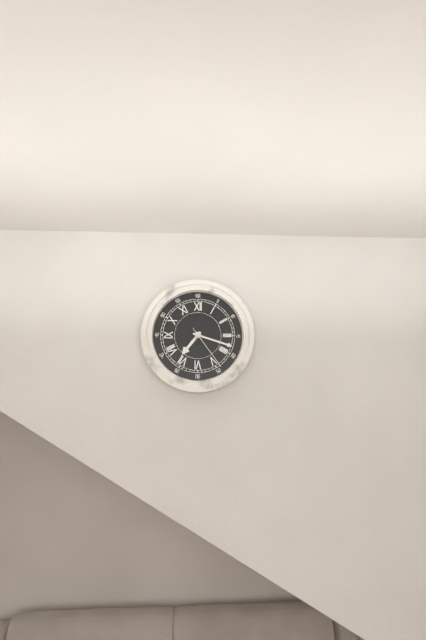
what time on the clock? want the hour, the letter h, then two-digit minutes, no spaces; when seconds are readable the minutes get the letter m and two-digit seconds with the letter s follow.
7h18
